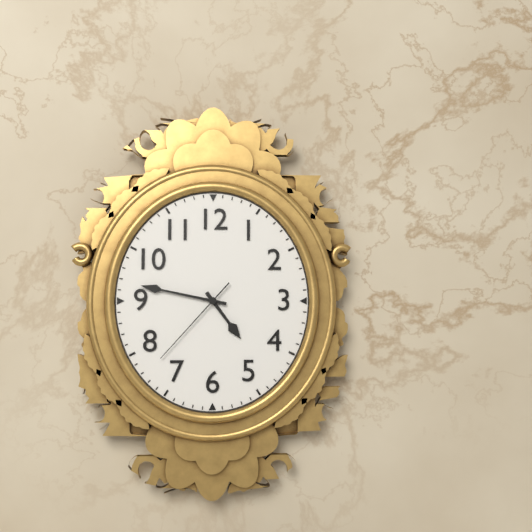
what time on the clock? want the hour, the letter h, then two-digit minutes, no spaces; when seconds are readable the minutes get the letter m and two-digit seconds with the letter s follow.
4h47m37s
